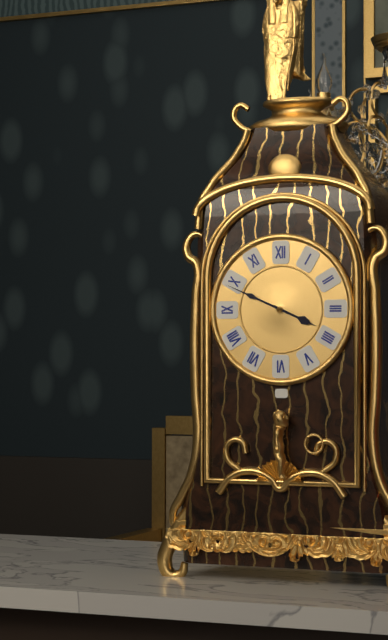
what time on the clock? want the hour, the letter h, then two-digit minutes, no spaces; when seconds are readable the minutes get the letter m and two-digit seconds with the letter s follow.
3h49
